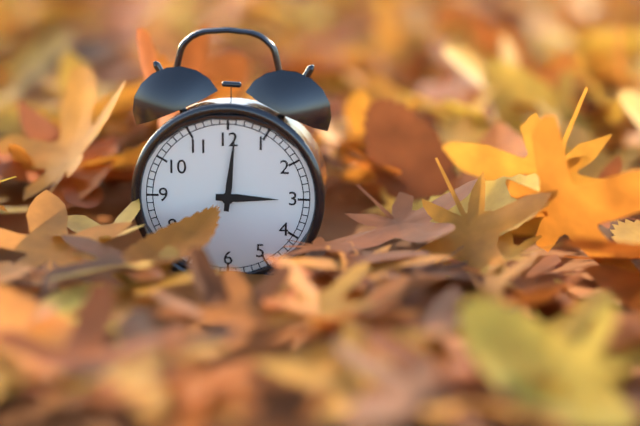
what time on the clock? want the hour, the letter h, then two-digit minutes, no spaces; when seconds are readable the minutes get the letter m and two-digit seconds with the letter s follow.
3h01
